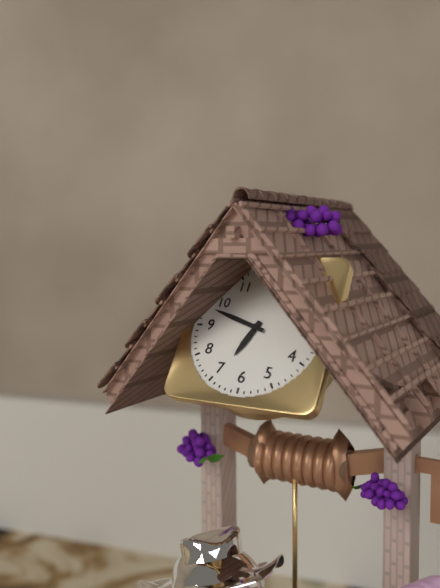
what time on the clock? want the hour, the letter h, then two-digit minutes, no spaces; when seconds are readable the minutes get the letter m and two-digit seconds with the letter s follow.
6h48
